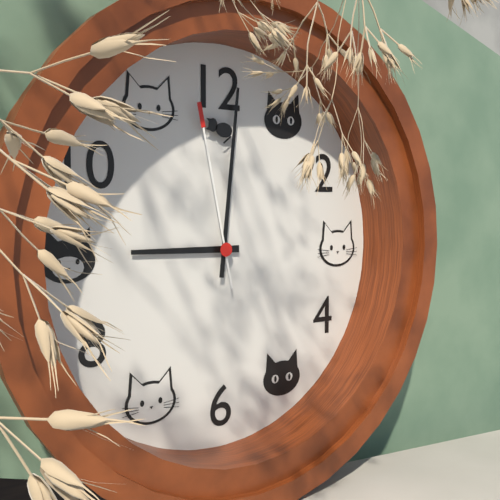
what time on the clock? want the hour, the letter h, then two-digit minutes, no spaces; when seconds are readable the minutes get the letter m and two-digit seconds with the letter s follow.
9h01m58s
